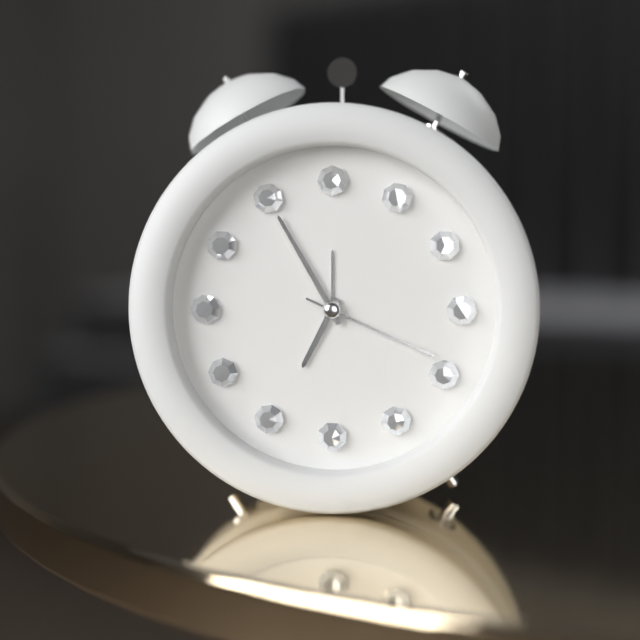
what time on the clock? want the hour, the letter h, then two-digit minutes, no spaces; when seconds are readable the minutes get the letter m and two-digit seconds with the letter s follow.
6h55m19s
